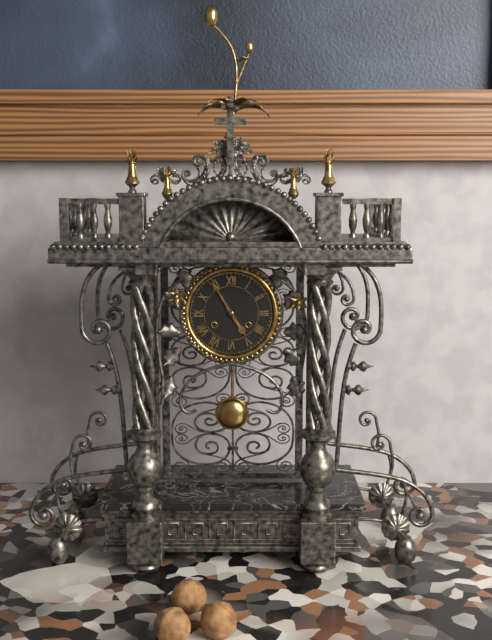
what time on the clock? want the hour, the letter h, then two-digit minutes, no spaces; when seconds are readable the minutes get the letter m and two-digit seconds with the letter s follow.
4h55
